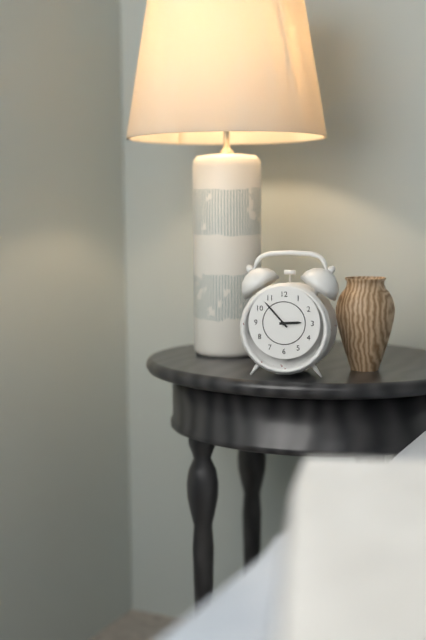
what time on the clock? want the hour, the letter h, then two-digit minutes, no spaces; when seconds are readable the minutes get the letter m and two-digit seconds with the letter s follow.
2h53
